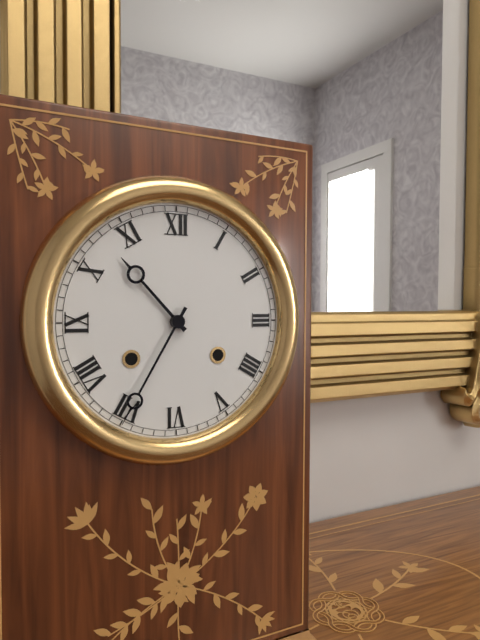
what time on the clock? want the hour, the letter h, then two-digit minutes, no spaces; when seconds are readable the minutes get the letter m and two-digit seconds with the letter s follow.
10h35
